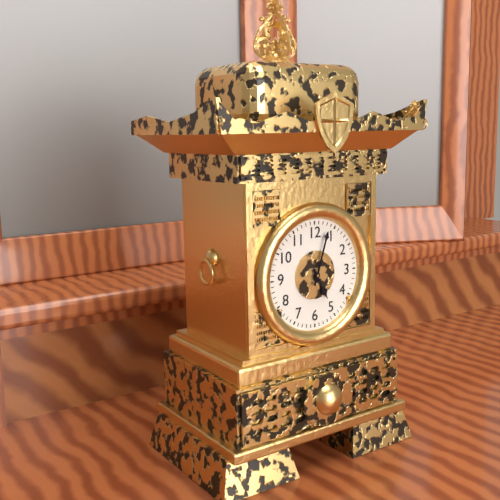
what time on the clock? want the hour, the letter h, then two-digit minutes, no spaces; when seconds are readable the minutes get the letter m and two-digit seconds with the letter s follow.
5h03
